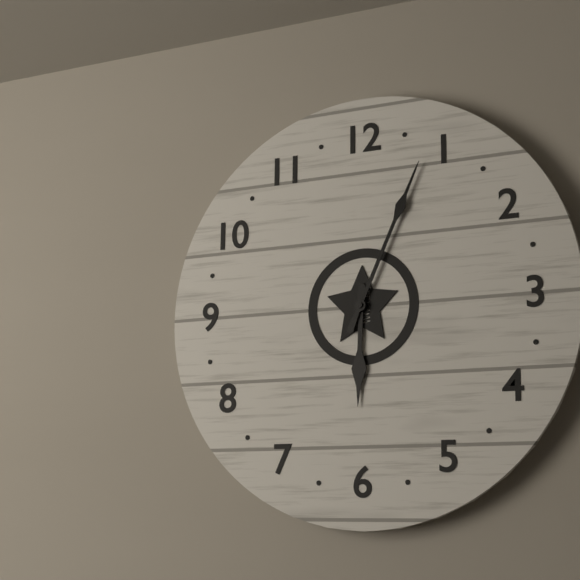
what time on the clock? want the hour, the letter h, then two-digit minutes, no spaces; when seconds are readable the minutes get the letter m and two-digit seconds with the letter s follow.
6h04
